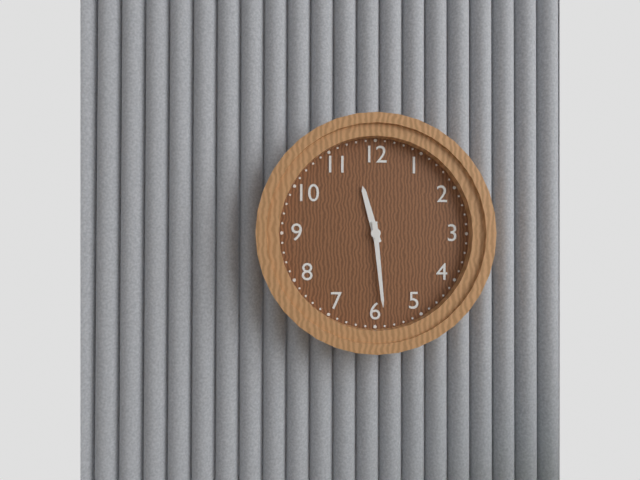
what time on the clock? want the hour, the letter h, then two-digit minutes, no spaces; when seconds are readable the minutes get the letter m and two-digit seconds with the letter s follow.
11h29
